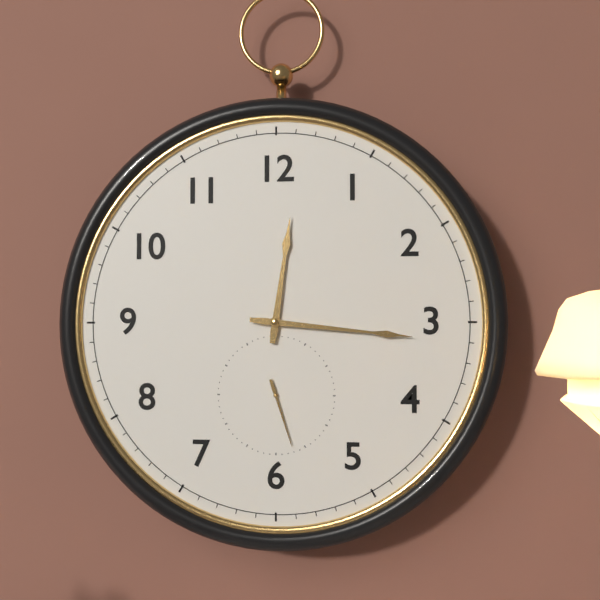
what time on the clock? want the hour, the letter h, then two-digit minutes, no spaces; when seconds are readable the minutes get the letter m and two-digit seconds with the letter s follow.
12h16m27s
